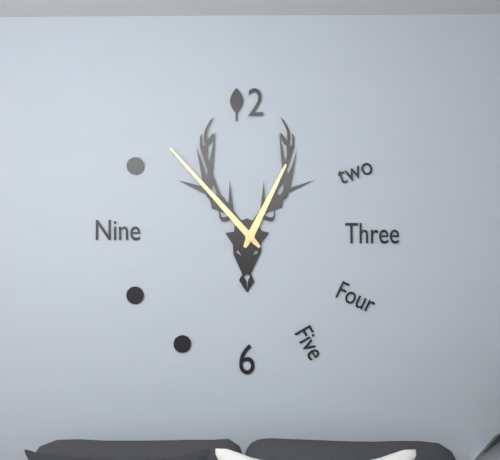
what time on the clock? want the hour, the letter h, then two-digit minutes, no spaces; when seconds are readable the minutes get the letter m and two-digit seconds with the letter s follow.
12h53
